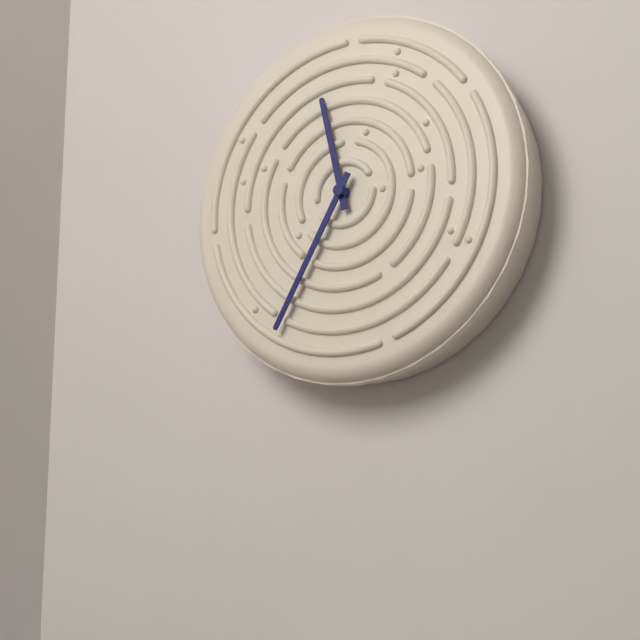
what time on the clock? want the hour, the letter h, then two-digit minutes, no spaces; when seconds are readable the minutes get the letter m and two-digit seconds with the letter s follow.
11h35
